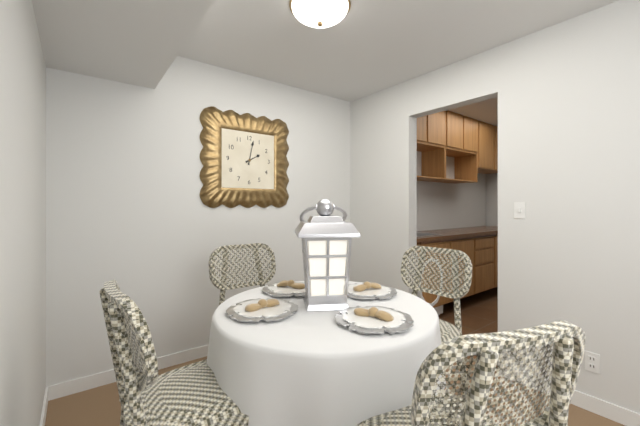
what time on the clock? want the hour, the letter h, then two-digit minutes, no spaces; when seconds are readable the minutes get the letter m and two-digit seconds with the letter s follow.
2h02
